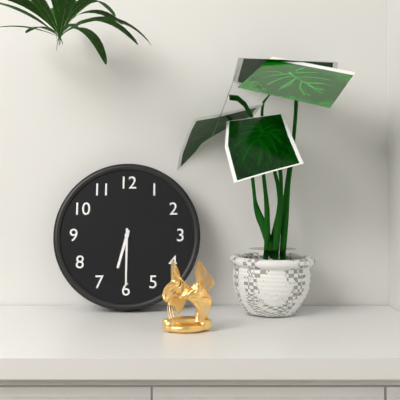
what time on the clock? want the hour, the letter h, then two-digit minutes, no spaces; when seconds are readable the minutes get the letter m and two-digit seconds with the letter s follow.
6h30
